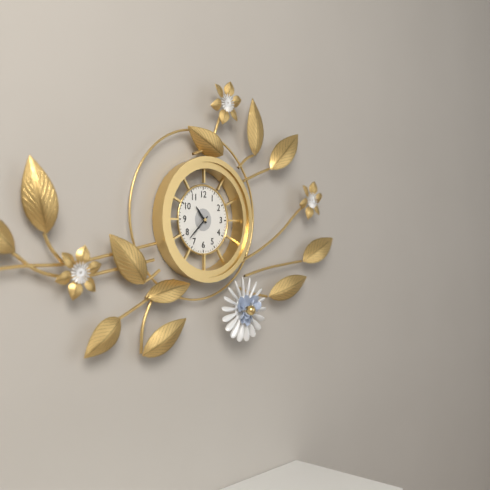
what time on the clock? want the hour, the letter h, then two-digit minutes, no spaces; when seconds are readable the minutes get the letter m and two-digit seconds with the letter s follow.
10h38
